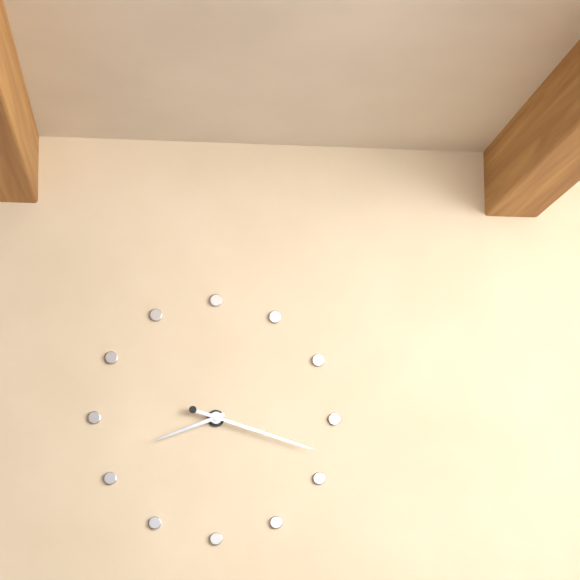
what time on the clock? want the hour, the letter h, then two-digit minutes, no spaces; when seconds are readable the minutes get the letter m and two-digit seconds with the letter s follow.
8h18
